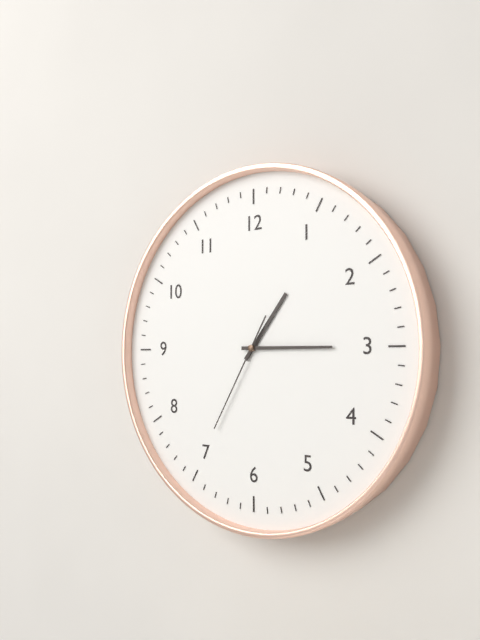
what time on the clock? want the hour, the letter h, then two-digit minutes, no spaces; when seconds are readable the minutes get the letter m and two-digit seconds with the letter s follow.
1h15m35s
